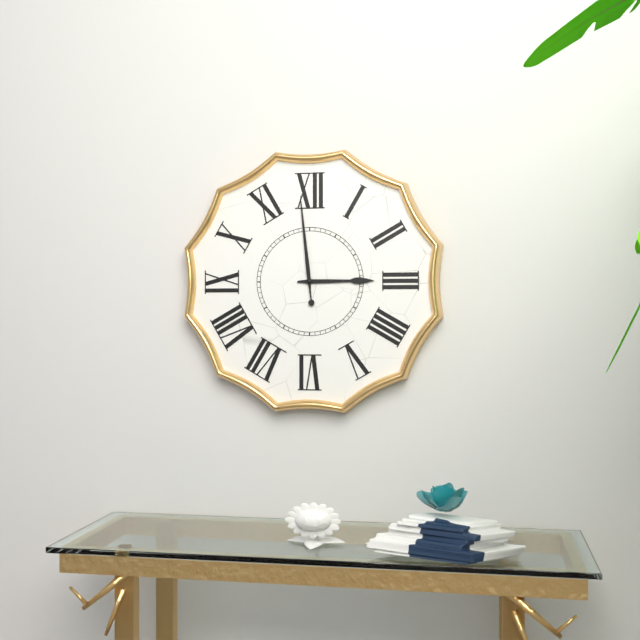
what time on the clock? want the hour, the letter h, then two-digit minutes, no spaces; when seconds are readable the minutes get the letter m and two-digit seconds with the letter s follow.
2h59
